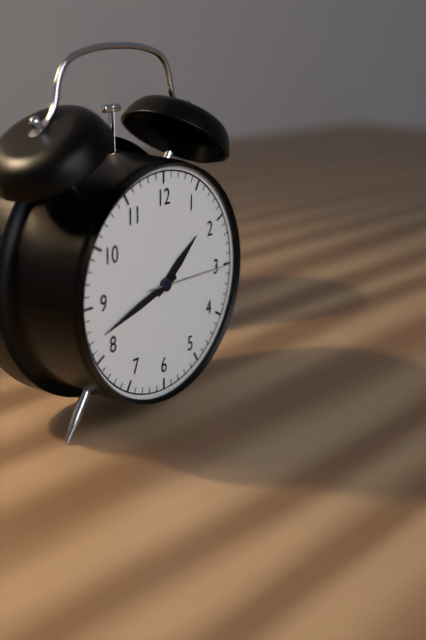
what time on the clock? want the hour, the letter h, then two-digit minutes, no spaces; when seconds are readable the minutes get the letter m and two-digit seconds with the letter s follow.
1h42m15s
